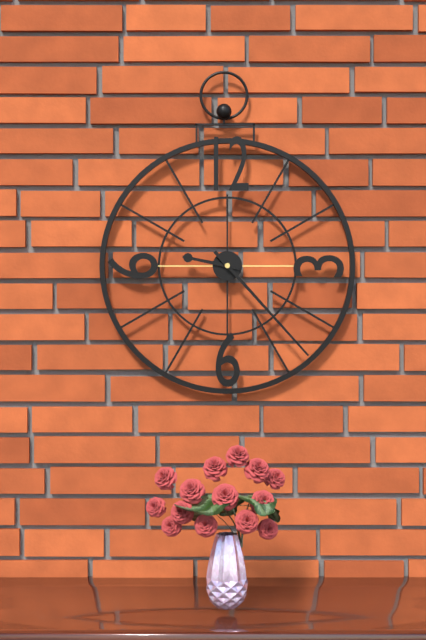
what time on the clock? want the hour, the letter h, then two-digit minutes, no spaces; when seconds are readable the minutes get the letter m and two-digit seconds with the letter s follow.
9h23
